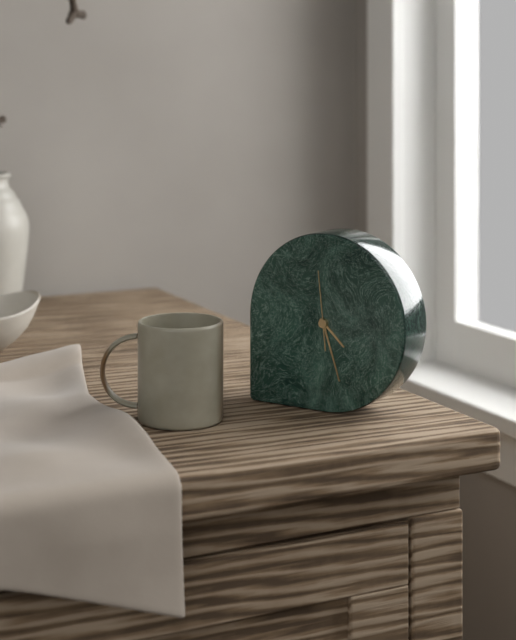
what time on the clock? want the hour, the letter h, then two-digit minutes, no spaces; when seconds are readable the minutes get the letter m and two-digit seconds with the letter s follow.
4h27m59s
